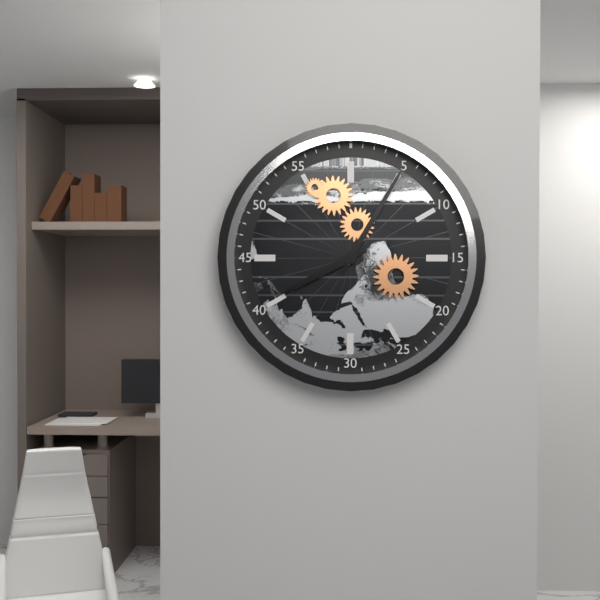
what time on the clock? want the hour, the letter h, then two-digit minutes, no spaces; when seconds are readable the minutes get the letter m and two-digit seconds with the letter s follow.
8h05
